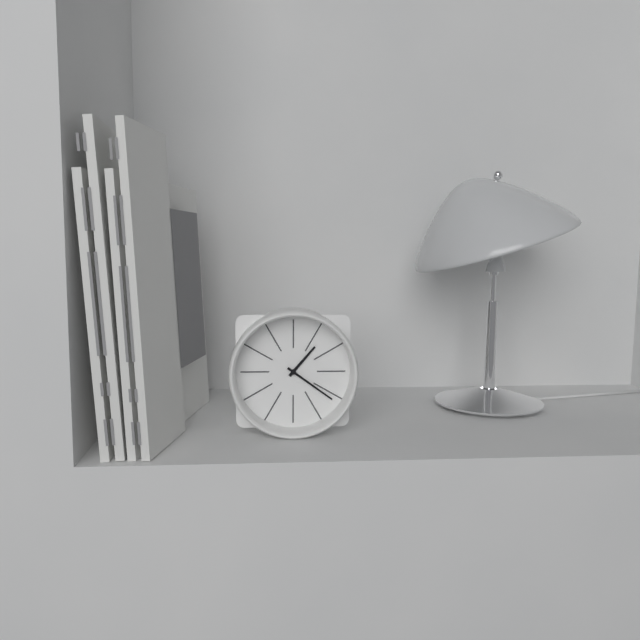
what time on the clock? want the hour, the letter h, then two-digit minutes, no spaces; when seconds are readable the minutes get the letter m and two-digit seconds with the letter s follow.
1h21
